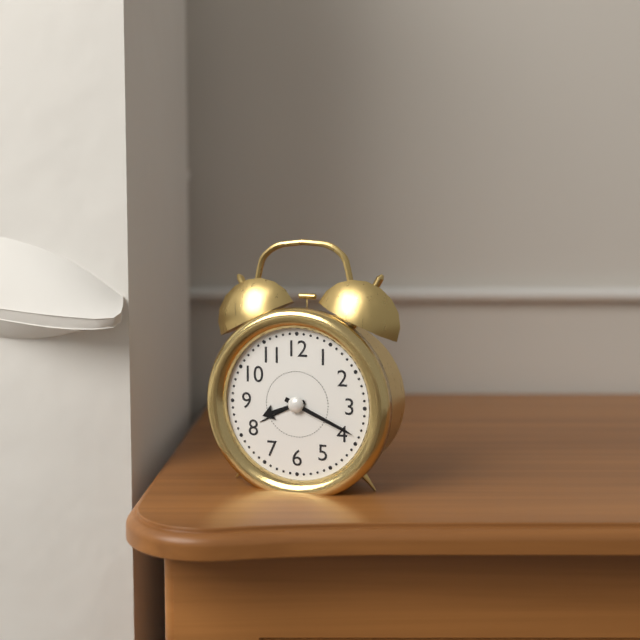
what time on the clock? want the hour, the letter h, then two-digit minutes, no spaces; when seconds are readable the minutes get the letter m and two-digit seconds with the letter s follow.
8h19
